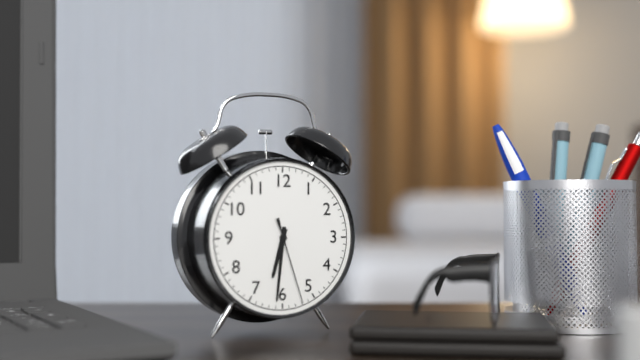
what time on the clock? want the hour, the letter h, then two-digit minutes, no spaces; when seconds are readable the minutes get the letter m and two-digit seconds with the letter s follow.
6h31m27s
